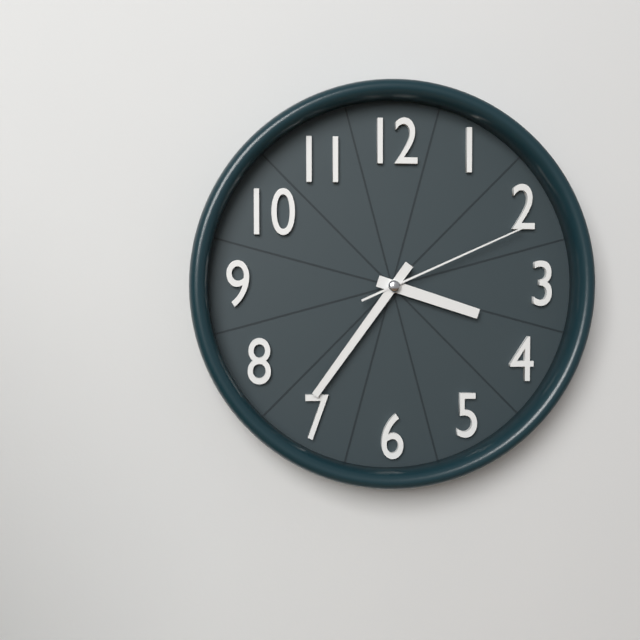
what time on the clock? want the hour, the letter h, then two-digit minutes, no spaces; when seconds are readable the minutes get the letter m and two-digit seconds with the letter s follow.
3h36m11s
